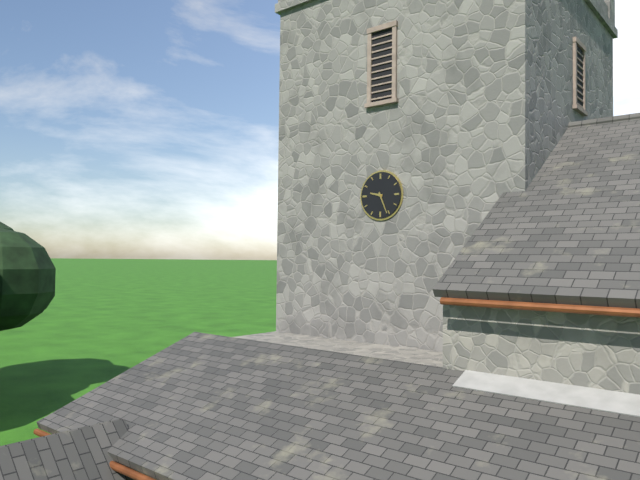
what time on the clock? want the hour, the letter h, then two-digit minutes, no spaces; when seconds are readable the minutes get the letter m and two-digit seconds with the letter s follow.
9h26
